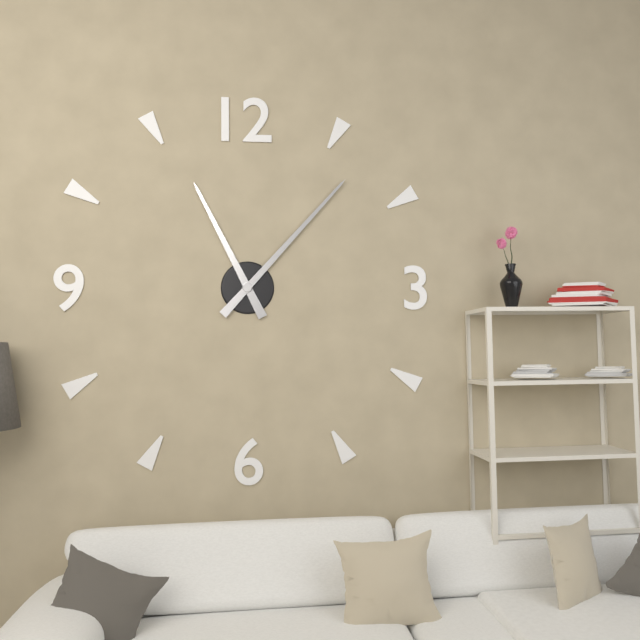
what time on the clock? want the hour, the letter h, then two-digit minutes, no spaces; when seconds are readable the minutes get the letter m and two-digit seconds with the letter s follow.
11h07
